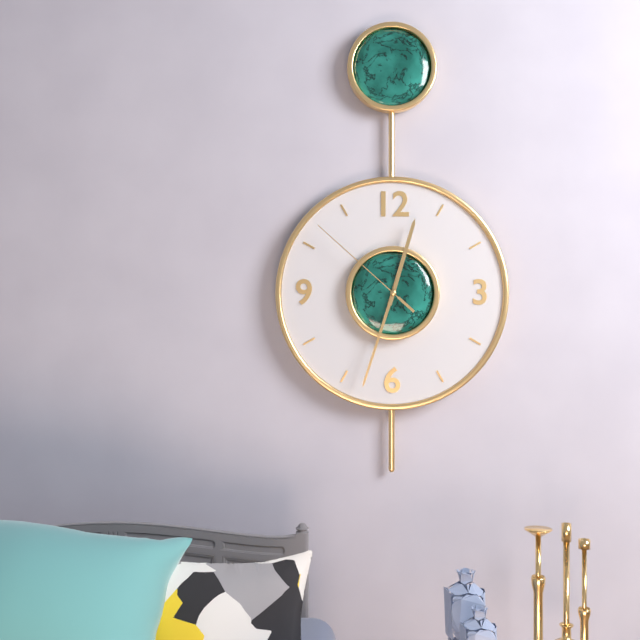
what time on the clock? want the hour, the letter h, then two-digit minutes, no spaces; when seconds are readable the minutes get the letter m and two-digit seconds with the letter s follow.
12h33m52s
